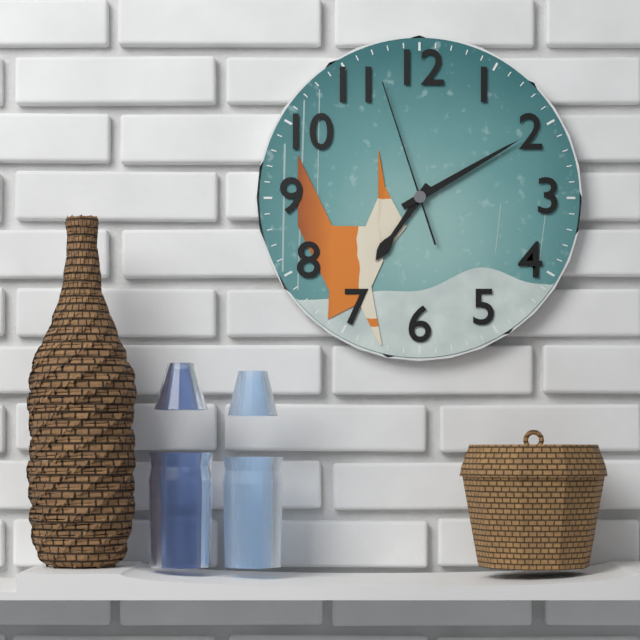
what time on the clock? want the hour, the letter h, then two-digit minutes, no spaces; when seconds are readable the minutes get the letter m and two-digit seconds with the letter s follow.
7h10m57s
